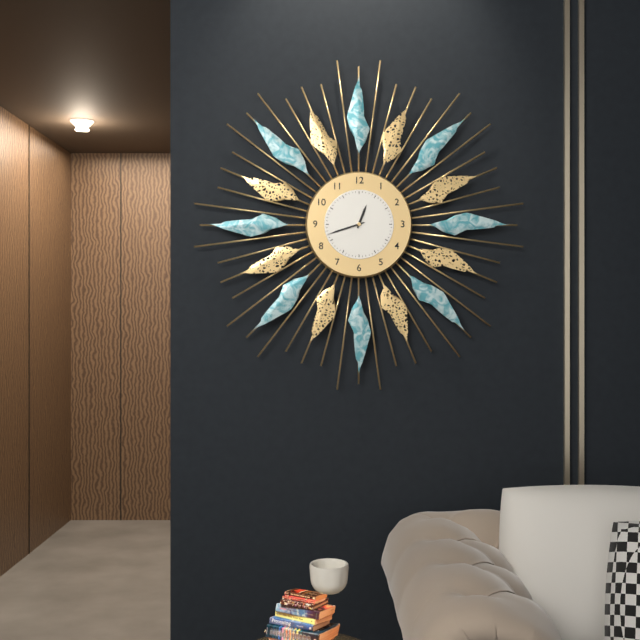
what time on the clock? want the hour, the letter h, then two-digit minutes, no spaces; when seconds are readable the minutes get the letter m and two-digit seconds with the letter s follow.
12h42
